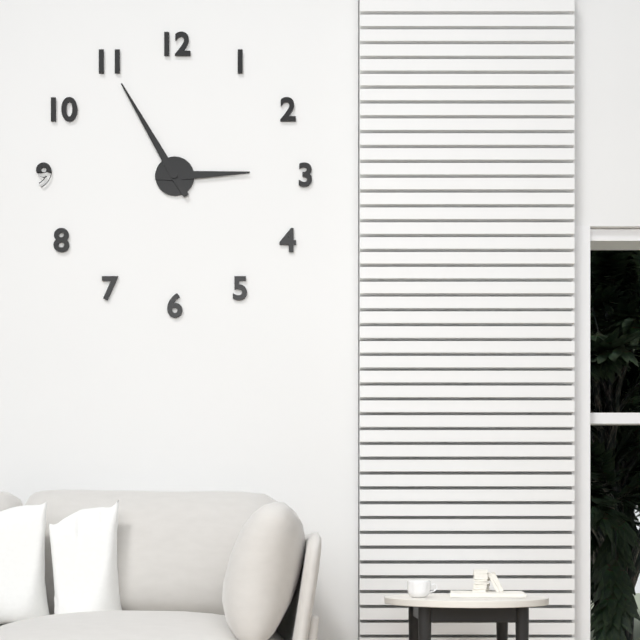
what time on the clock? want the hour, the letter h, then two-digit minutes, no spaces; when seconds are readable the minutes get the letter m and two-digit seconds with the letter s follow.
2h55
